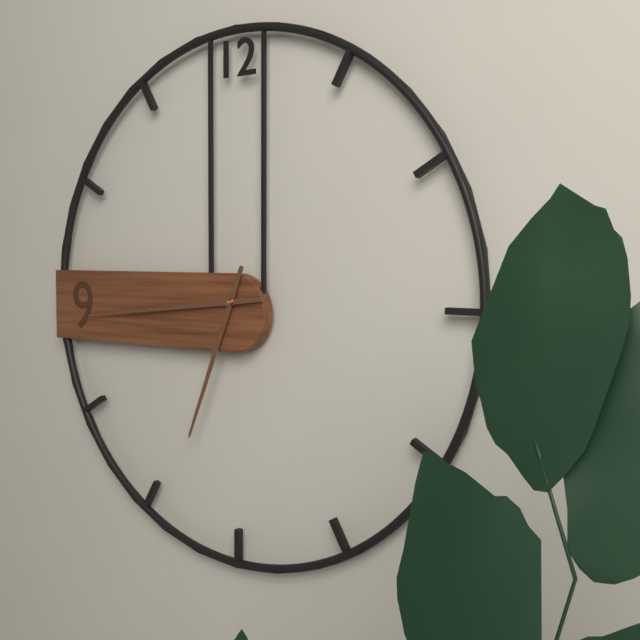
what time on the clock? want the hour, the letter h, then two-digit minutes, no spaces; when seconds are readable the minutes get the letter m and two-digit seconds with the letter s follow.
6h44
